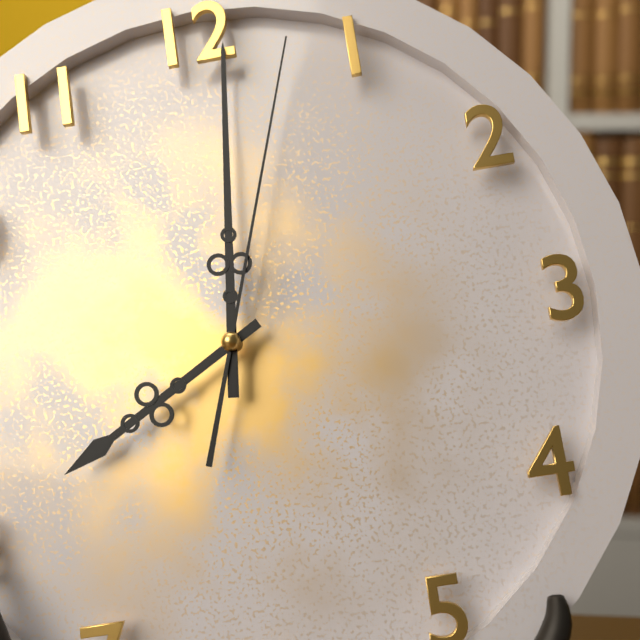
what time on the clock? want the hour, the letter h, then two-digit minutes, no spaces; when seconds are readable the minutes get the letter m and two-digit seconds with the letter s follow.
8h01m03s
